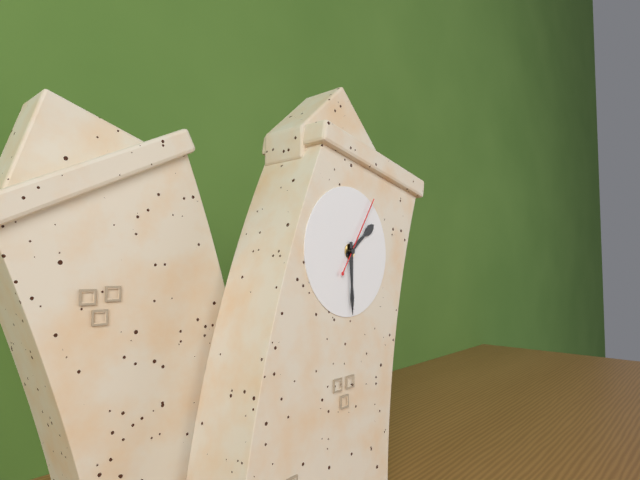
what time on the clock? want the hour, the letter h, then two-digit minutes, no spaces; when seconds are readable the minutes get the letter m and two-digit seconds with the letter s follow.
1h28m04s
